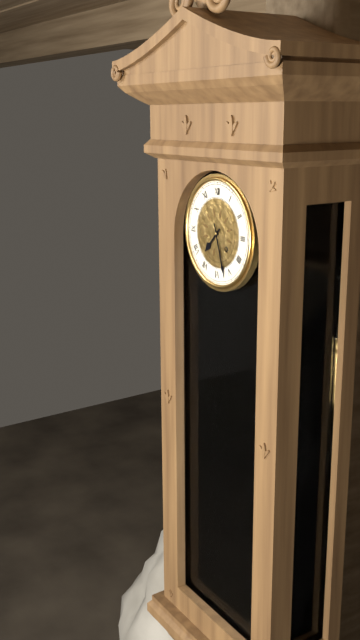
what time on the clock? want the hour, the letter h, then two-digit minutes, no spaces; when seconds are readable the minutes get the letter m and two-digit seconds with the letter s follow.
7h27
